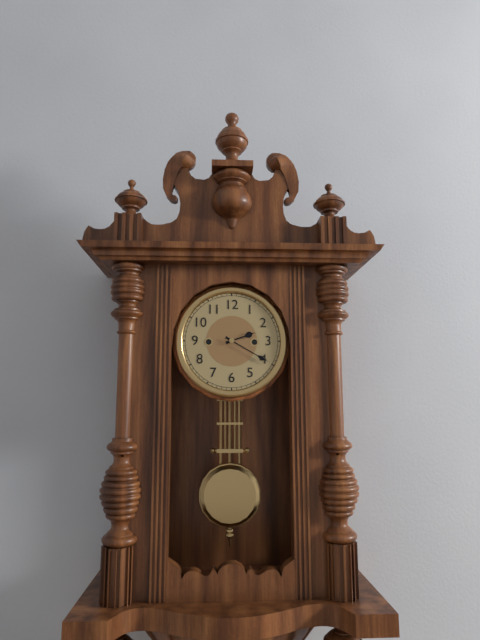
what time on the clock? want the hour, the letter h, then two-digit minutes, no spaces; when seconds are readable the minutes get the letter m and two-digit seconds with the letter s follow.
2h20
